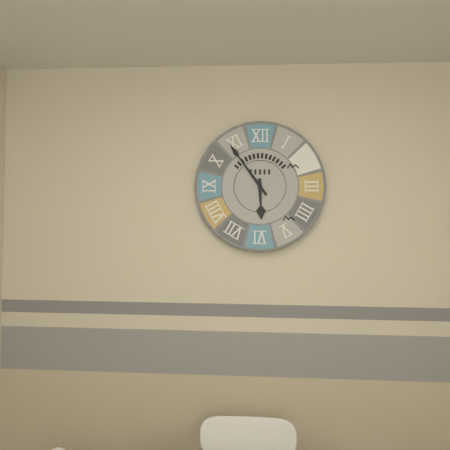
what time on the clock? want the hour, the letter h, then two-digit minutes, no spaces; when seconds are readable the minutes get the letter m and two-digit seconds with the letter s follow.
5h54
